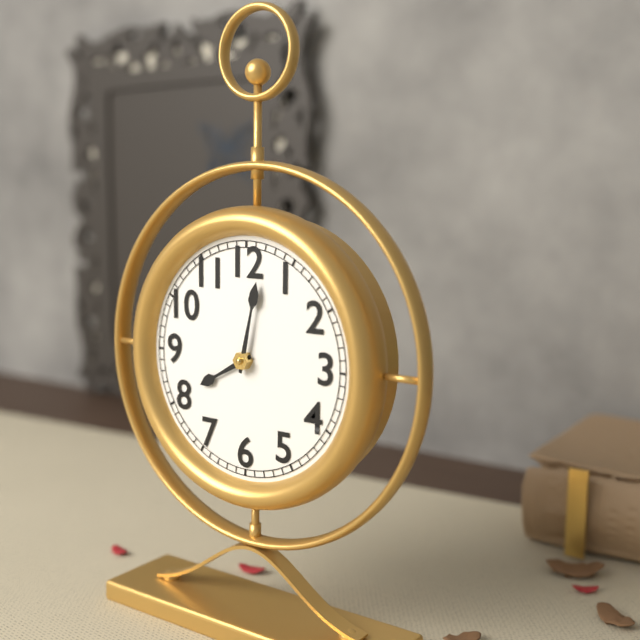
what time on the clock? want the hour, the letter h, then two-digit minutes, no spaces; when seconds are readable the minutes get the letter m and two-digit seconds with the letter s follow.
8h02
